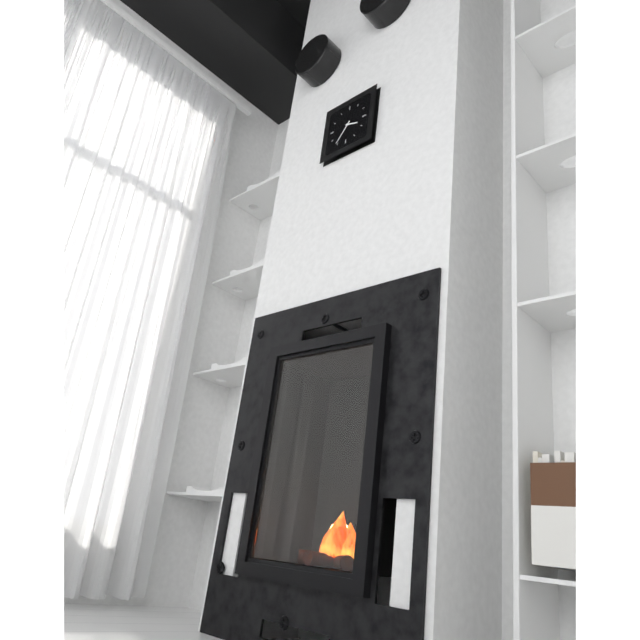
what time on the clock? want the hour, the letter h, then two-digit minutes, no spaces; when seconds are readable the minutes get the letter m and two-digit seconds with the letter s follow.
3h36
